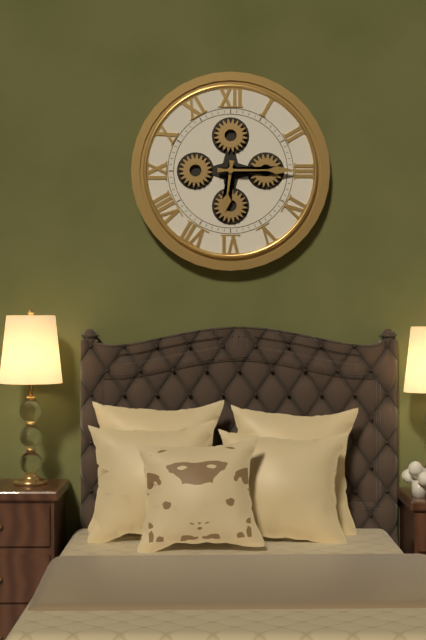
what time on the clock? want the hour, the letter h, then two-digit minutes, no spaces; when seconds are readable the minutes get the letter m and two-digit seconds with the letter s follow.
6h15
